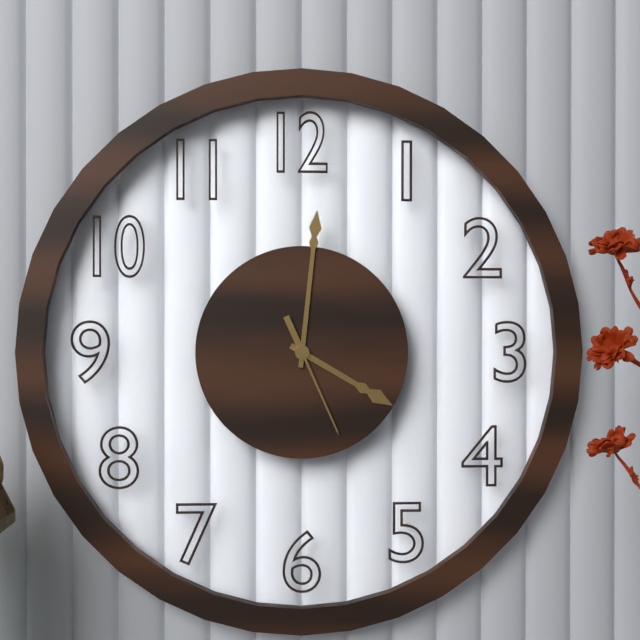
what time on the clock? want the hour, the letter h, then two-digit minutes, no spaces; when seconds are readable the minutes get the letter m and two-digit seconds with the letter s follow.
4h01m26s
